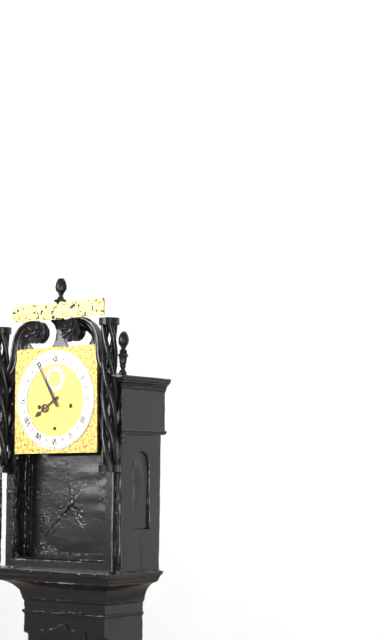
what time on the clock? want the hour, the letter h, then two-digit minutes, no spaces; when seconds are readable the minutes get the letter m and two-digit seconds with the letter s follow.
7h55
